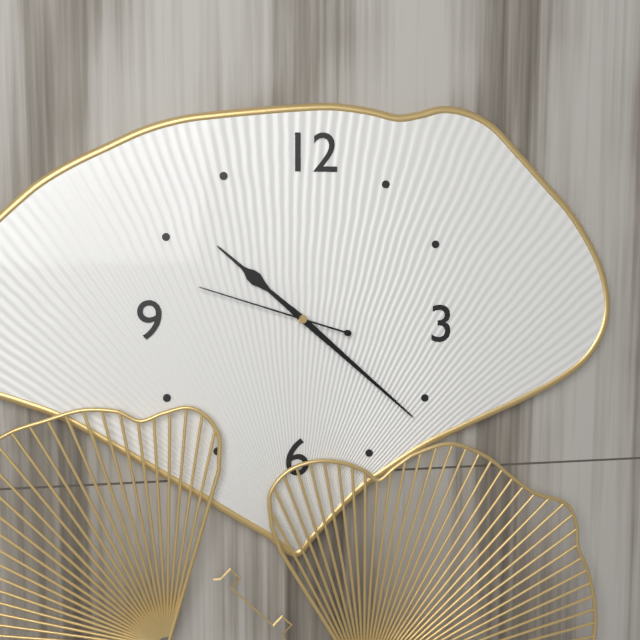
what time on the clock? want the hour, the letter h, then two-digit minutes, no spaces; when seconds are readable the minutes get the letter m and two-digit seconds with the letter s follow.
10h22m48s
